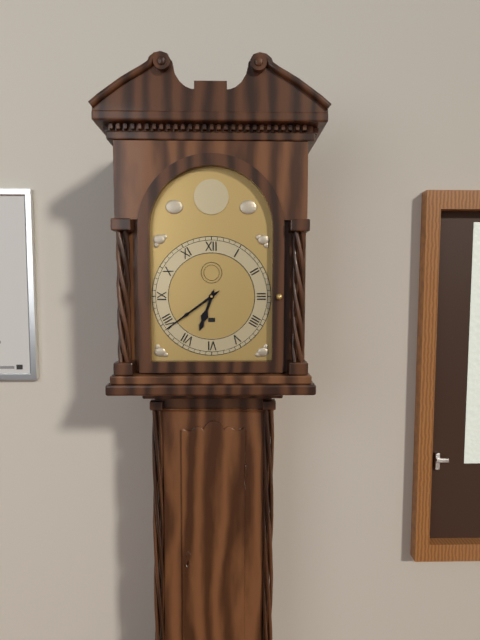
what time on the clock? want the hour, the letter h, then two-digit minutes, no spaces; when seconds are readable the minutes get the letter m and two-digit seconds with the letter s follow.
6h39
